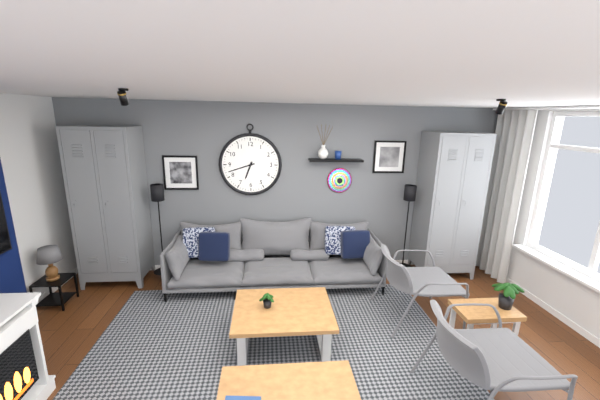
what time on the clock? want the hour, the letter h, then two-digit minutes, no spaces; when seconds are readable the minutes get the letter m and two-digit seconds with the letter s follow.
6h42
